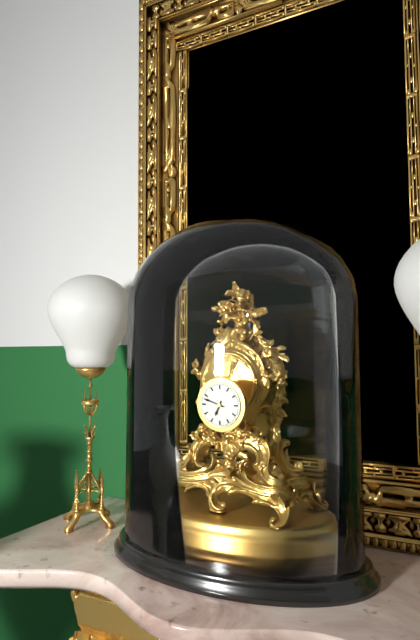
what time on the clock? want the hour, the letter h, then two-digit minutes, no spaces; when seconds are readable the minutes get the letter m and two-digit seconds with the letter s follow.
6h48
